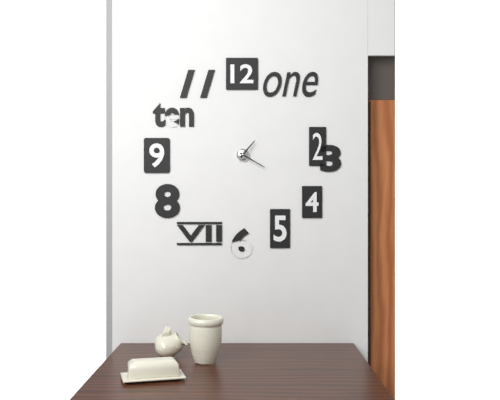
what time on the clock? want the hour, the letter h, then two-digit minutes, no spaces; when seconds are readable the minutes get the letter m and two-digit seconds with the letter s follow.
1h20
